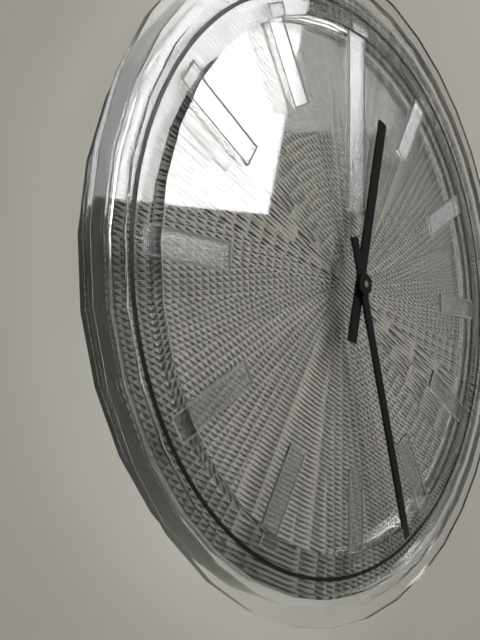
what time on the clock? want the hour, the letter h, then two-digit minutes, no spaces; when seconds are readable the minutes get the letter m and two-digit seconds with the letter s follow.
12h27
